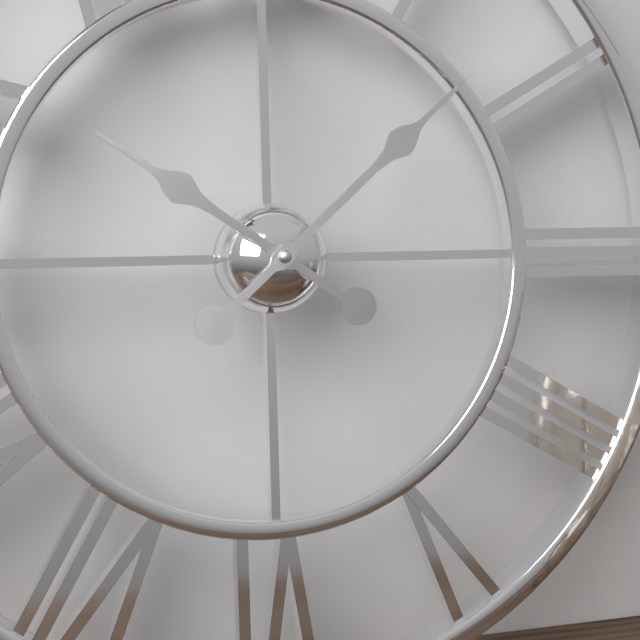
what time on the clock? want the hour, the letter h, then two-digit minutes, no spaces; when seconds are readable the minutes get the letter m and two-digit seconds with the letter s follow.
10h08
